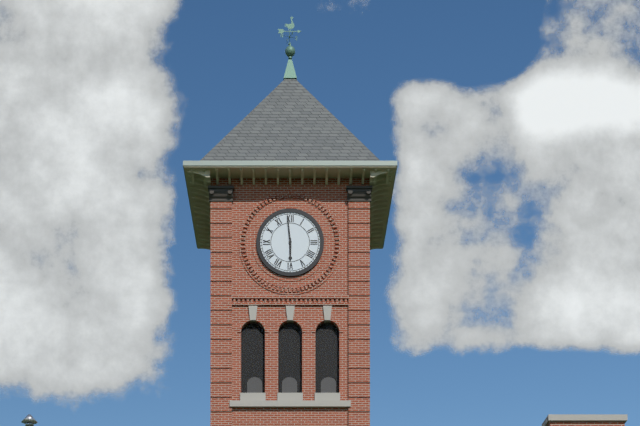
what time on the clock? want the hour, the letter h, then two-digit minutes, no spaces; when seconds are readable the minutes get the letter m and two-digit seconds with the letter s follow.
5h59
